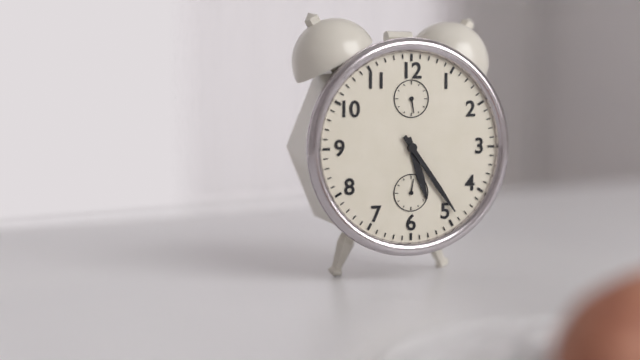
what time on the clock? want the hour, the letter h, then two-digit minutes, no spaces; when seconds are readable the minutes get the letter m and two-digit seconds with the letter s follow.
5h24
